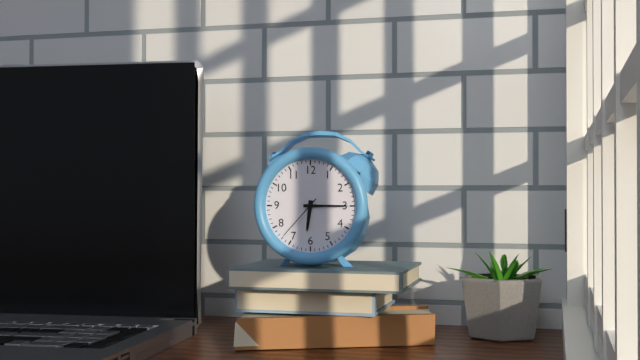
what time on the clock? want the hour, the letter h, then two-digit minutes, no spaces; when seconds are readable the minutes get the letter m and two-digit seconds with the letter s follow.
6h15m37s
